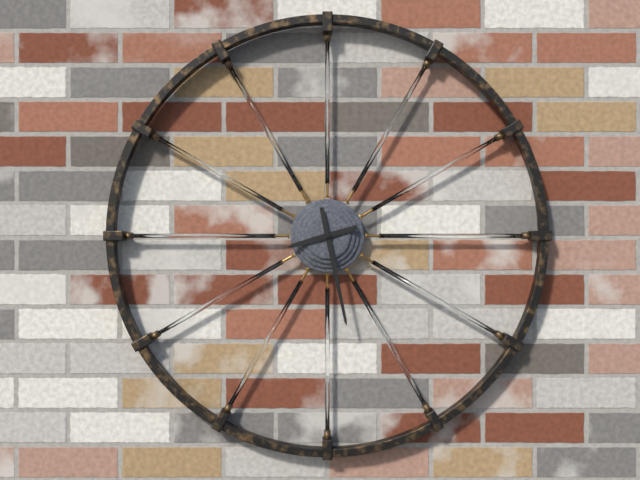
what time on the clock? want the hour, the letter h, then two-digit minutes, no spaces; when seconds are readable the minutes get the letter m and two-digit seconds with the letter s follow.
8h28
